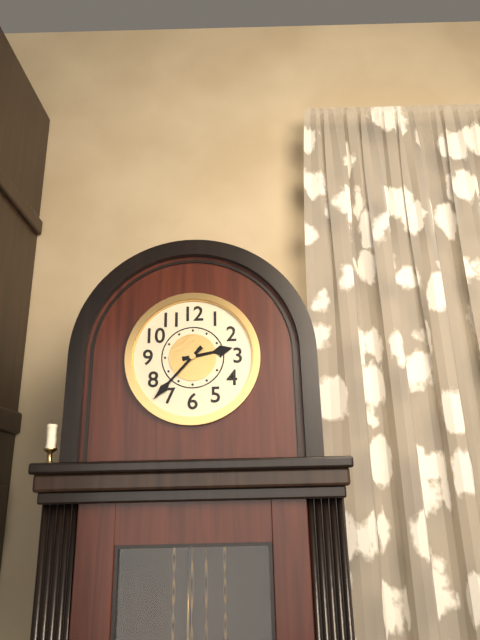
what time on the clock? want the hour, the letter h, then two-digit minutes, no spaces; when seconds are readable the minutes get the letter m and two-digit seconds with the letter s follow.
2h37
